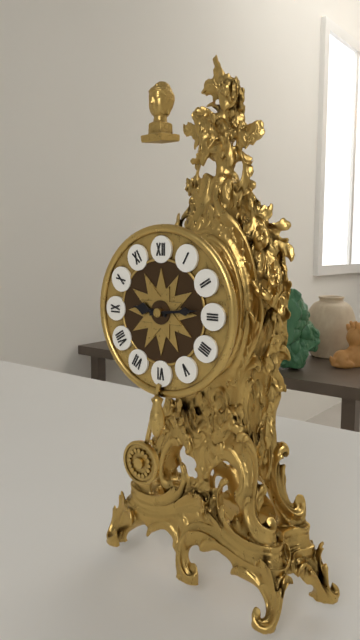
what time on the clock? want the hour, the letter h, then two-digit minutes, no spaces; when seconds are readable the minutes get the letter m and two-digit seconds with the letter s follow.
9h14
